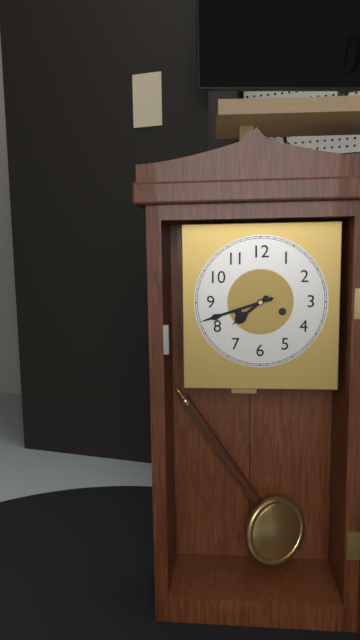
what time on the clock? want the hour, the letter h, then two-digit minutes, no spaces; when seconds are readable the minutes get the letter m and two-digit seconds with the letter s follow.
7h42
